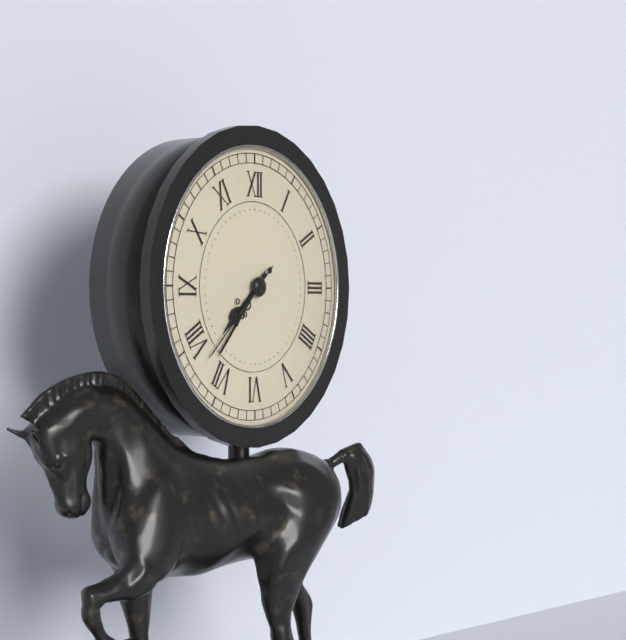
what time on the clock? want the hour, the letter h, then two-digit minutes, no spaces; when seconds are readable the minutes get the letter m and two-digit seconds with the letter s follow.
7h37m38s
